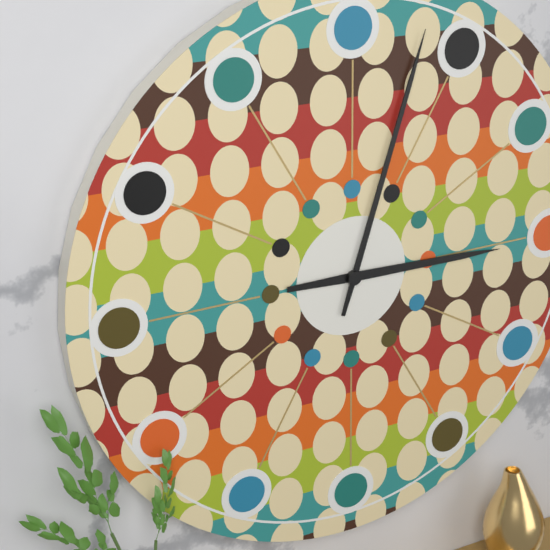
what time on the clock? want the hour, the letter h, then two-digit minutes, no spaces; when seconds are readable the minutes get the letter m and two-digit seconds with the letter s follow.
3h03
